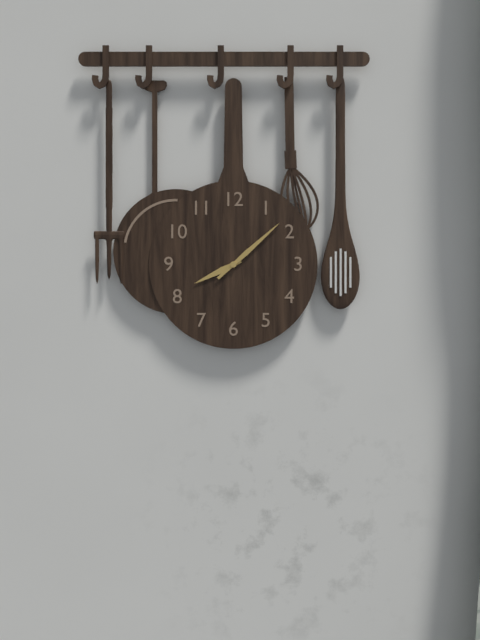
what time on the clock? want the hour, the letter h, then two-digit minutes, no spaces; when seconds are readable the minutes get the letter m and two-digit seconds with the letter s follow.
8h08
